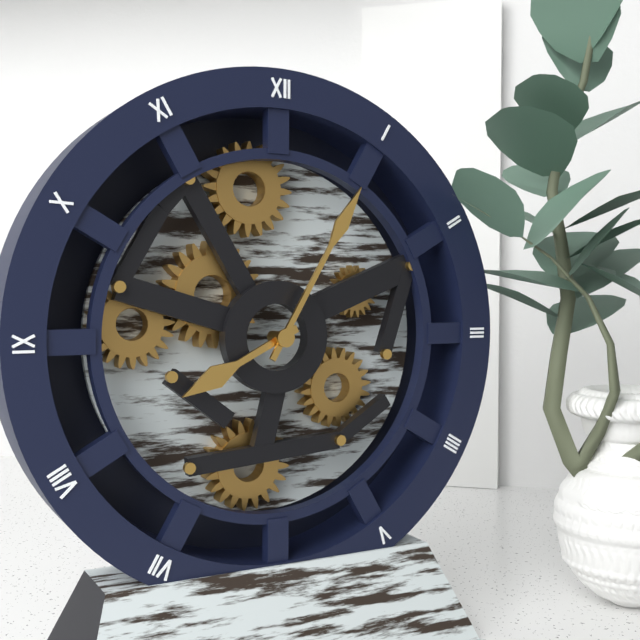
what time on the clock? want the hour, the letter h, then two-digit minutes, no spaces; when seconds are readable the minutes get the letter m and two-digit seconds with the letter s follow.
8h05
